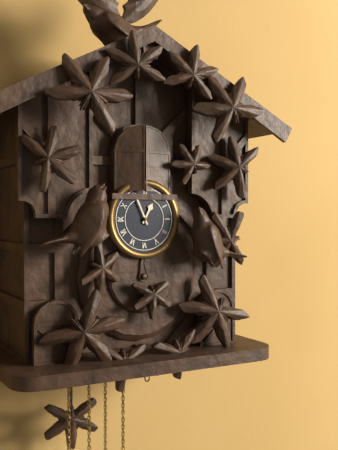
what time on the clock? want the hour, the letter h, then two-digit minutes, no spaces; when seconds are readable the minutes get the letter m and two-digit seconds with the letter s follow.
12h56
